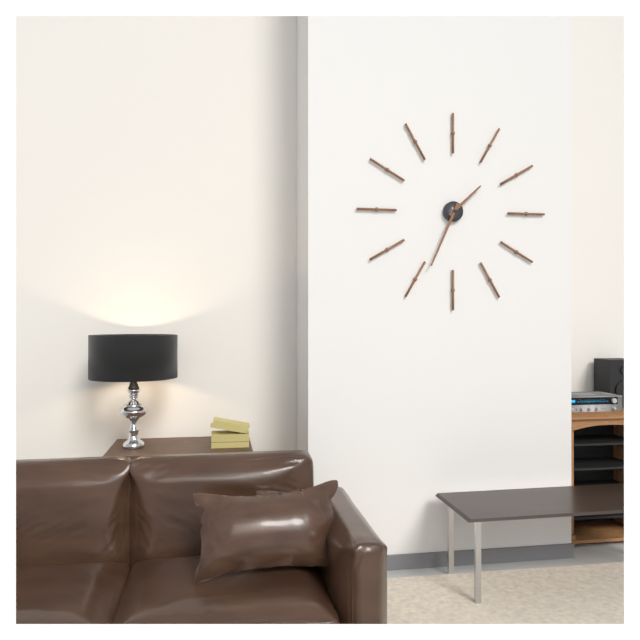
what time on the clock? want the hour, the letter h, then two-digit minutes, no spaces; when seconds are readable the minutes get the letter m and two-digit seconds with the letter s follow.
1h34
